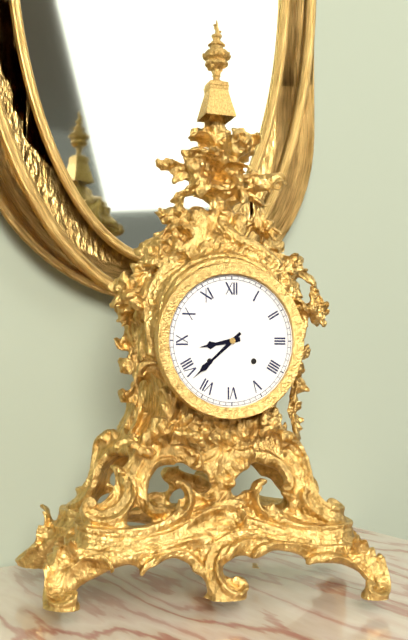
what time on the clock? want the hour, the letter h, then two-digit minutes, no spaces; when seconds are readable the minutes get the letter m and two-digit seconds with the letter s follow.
8h38
